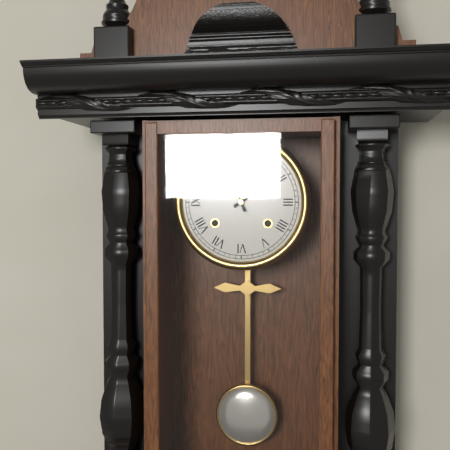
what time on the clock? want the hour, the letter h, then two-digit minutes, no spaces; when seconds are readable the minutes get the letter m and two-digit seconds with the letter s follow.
1h56
